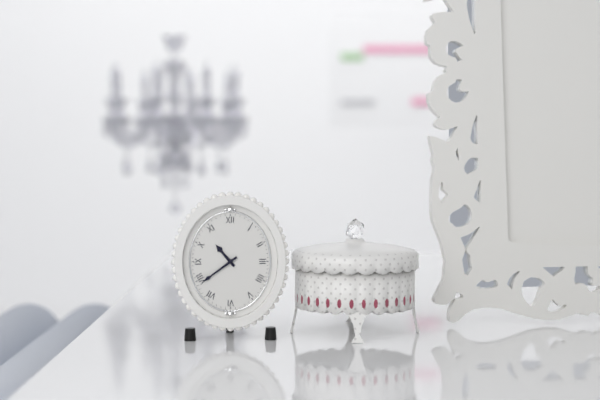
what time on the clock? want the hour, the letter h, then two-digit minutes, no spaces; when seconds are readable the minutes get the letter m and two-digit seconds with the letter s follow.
10h39
